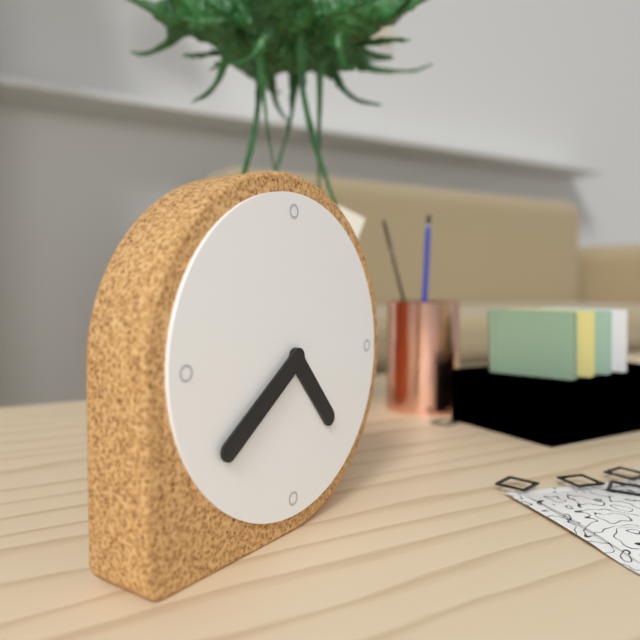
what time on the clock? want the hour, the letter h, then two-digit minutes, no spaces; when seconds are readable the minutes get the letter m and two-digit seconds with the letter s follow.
4h39
